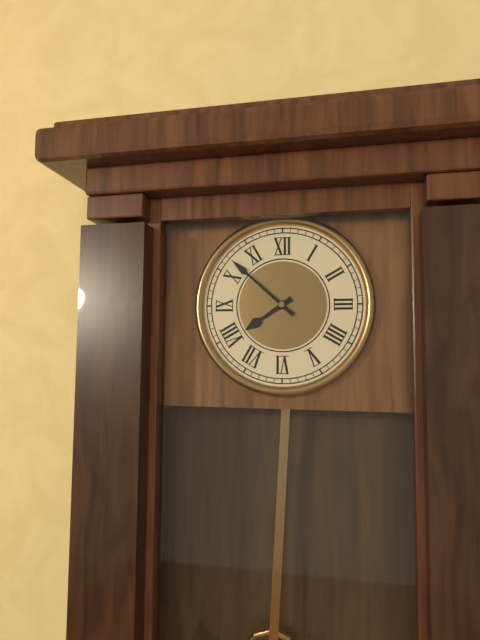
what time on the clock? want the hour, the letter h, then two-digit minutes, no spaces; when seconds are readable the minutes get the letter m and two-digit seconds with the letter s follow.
7h52
